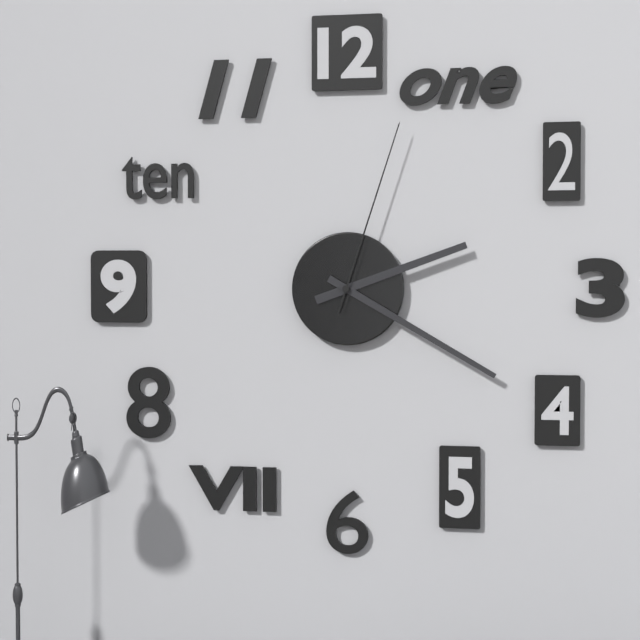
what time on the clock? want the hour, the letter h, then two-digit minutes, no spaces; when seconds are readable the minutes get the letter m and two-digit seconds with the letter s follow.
2h20m03s
